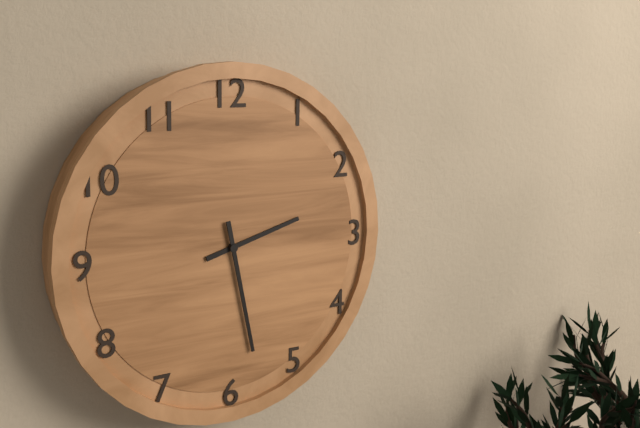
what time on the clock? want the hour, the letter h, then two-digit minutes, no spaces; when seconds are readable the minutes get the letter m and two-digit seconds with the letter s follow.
2h28
